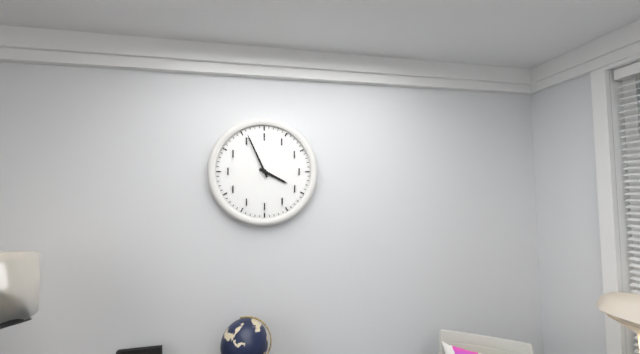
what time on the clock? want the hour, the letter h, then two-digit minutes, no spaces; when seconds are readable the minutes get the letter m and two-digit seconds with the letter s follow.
3h56
